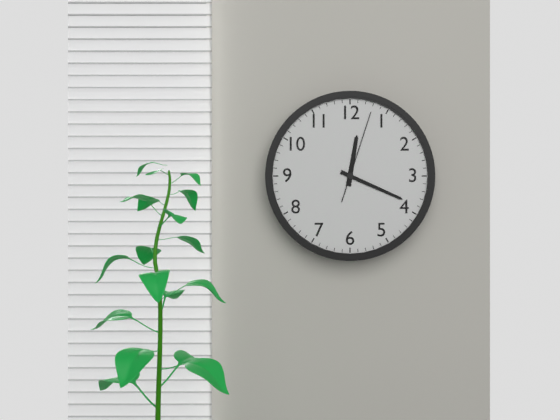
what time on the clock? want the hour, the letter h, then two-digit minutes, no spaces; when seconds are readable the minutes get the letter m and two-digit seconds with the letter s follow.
12h19m03s
